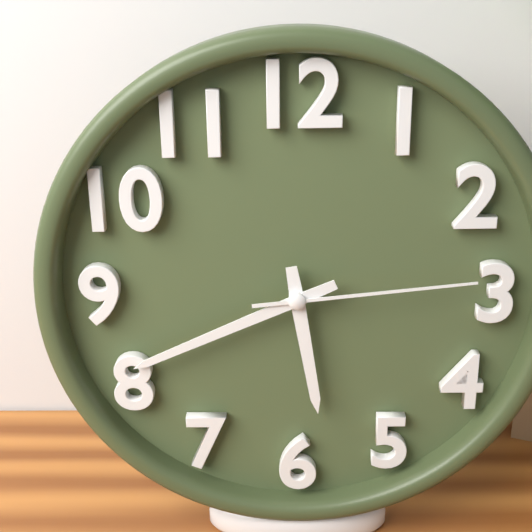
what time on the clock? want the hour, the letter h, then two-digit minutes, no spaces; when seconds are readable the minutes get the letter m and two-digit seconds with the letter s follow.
5h41m14s
